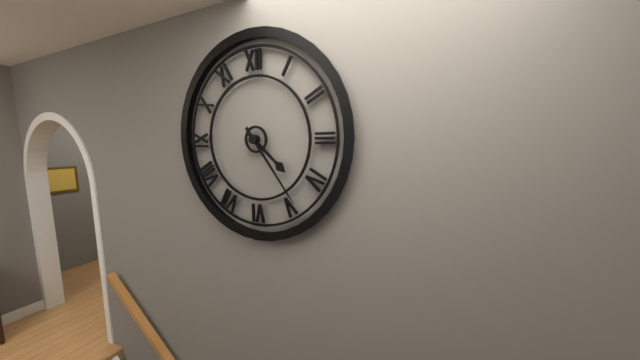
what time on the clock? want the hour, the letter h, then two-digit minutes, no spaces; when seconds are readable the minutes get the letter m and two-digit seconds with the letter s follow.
4h24
